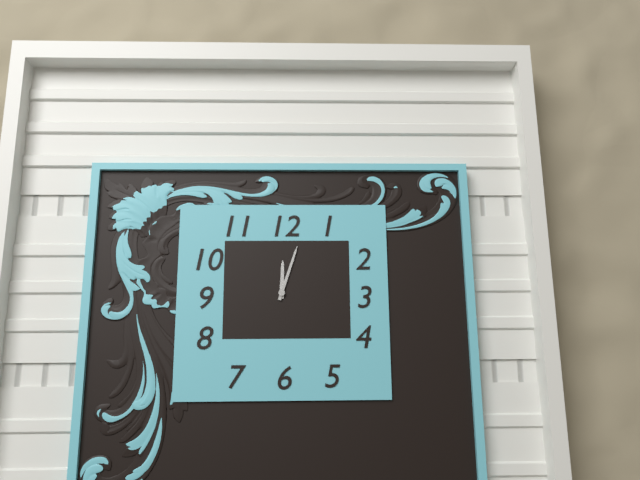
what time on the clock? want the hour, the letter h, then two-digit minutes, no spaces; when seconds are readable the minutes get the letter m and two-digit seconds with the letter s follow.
12h03
